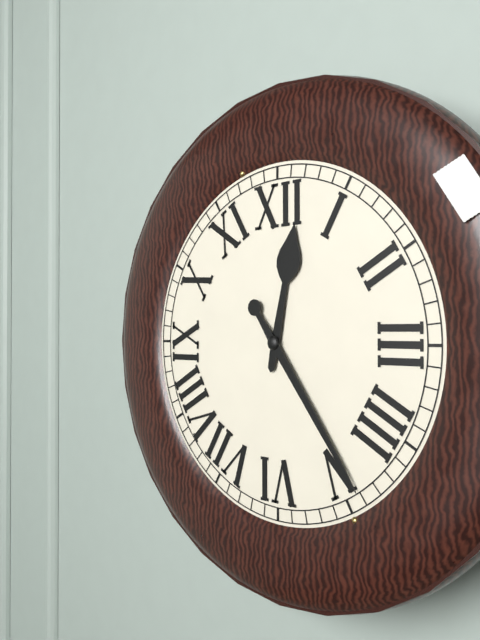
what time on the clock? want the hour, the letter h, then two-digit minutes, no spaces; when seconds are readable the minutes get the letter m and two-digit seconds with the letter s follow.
12h24
